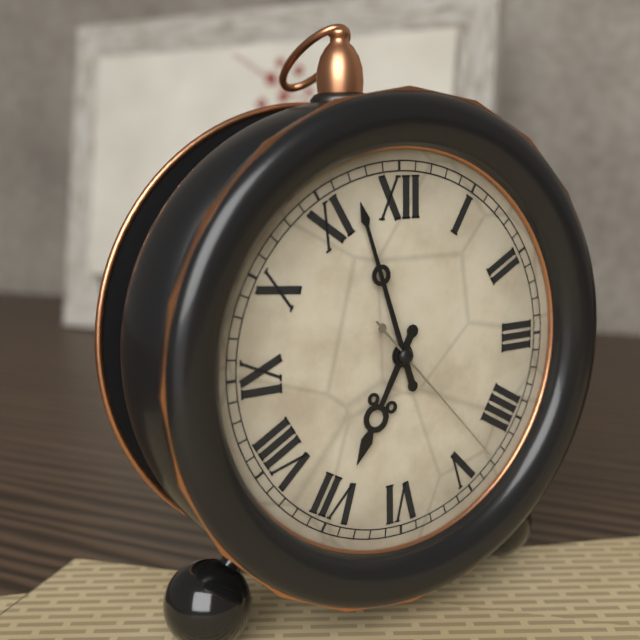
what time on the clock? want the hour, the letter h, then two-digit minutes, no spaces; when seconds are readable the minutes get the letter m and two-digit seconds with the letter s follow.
6h57m23s
